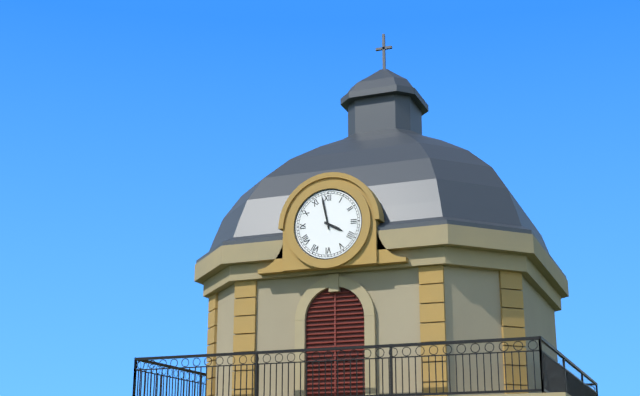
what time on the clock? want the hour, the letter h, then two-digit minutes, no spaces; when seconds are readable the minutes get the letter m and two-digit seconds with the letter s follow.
3h58
